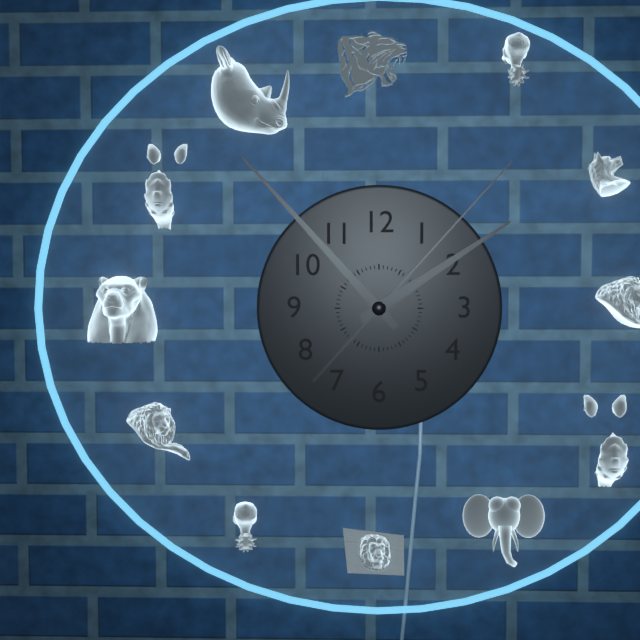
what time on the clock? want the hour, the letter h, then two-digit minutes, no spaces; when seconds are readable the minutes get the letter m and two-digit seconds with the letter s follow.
1h53m07s
